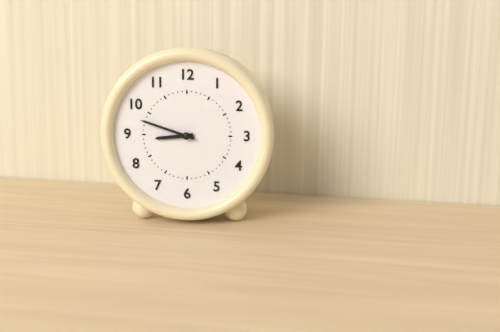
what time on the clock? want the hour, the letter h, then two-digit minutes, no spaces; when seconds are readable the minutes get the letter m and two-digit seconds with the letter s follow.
8h48
